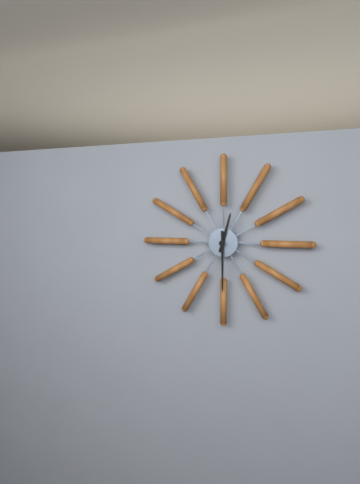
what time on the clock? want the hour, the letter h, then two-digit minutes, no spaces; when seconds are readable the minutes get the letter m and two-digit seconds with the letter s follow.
12h30
